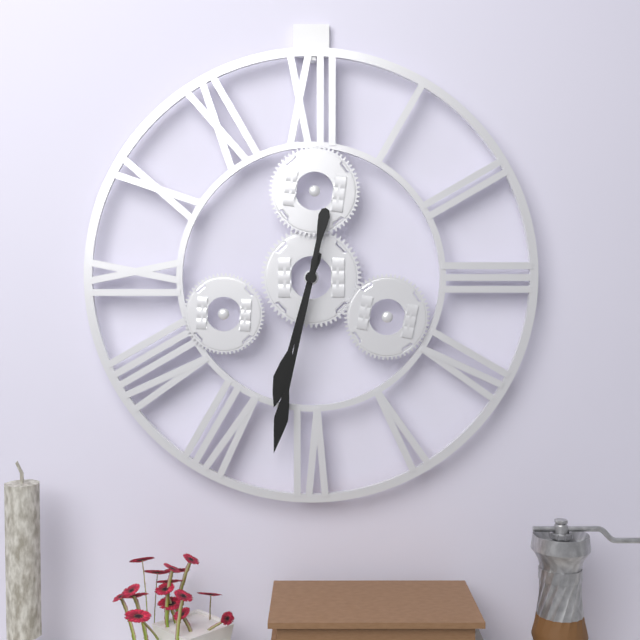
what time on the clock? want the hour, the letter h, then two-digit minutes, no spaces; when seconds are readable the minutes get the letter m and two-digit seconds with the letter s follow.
6h32
